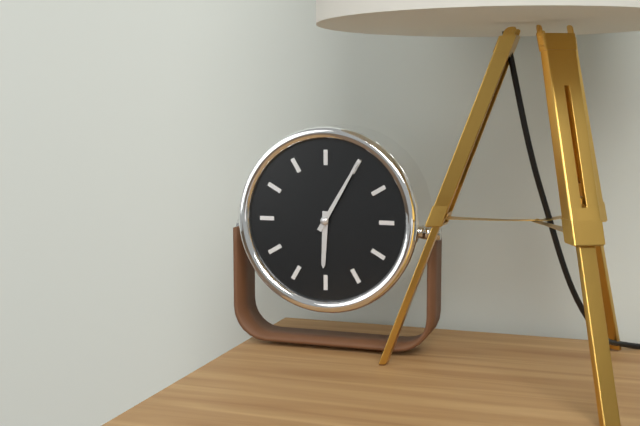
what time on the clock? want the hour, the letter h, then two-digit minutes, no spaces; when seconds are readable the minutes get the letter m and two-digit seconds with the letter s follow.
6h05
